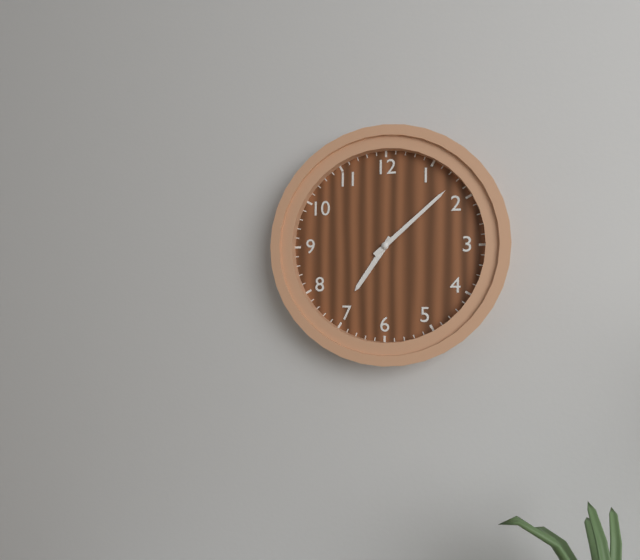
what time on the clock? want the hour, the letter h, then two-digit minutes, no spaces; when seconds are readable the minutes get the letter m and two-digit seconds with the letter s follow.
7h08
